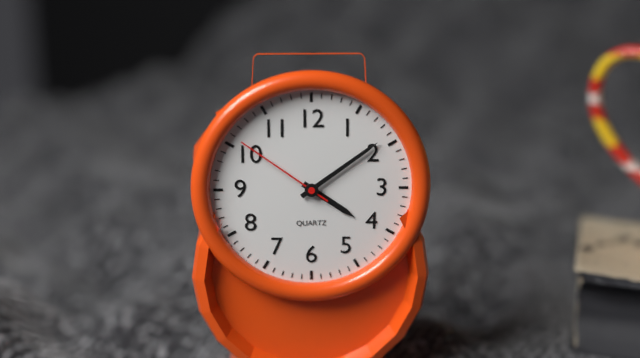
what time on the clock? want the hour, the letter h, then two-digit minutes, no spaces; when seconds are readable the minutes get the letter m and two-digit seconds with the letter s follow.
4h09m51s
